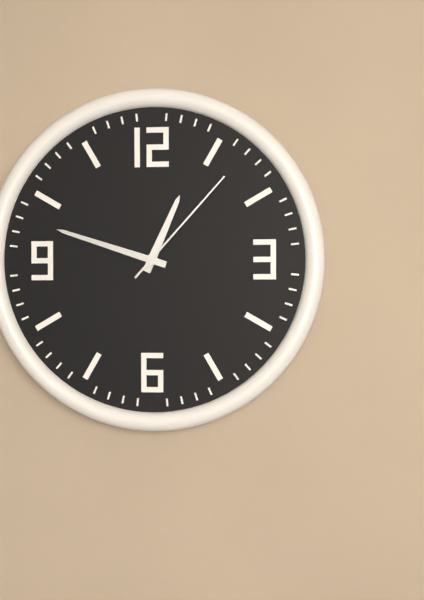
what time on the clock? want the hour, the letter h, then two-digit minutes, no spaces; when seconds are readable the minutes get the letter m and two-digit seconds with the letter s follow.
12h48m07s
